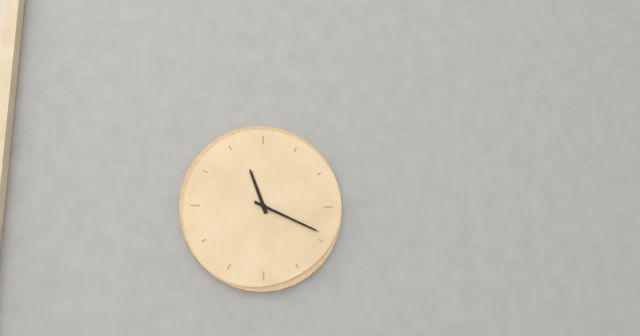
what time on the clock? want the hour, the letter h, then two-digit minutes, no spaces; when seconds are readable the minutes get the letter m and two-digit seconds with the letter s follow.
11h19
